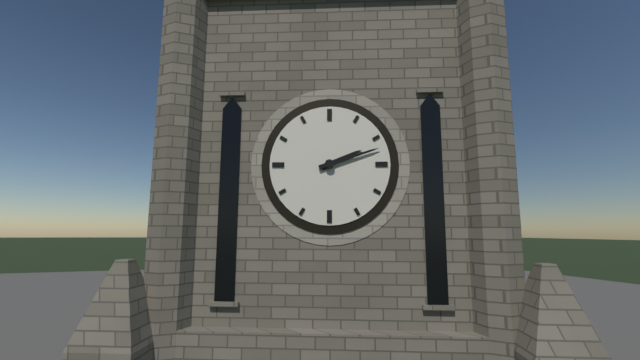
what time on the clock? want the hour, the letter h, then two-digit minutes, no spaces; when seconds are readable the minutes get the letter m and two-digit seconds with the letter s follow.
2h12
